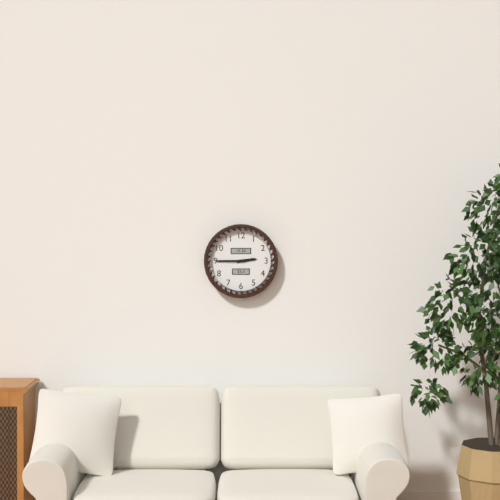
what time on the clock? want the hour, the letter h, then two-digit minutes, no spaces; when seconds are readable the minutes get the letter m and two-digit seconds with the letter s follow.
2h45
